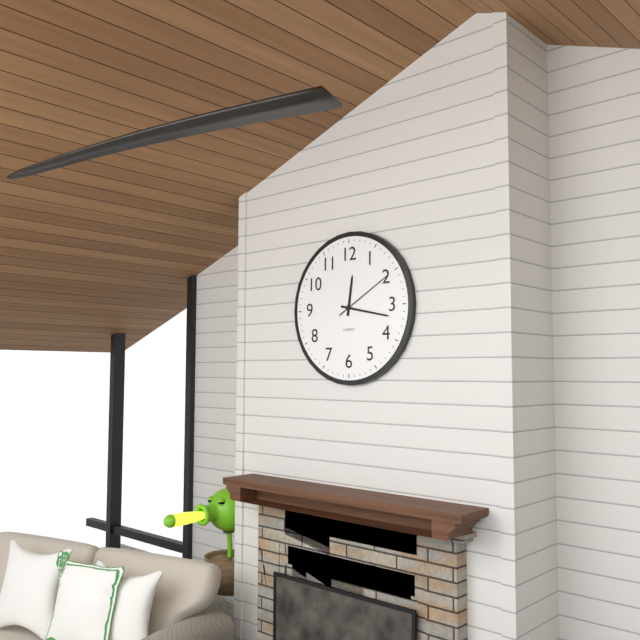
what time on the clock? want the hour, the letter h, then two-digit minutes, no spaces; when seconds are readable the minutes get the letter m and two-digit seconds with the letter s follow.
12h17m10s
